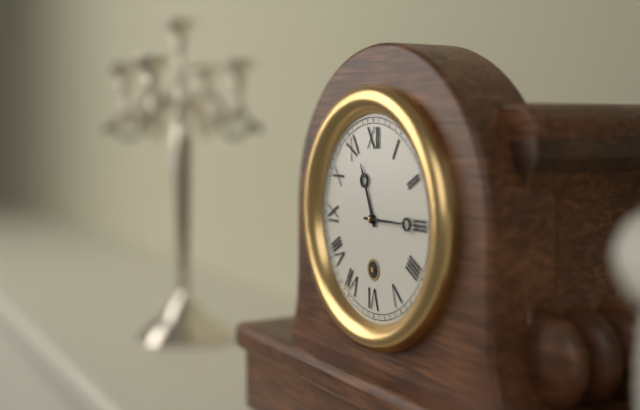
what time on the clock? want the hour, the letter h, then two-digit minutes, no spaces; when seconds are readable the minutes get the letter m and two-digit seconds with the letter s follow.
11h15
